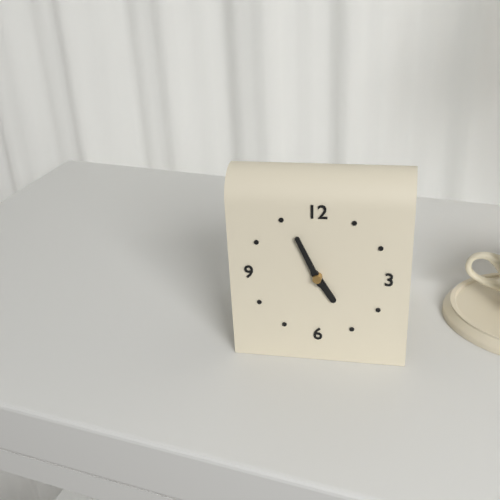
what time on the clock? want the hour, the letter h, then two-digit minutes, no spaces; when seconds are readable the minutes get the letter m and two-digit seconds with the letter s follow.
4h56
